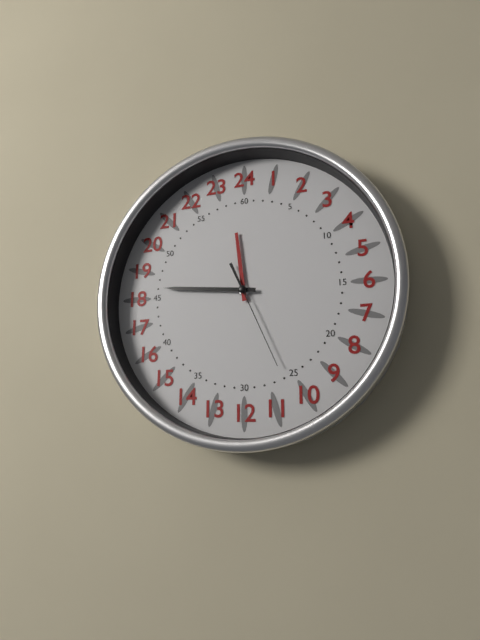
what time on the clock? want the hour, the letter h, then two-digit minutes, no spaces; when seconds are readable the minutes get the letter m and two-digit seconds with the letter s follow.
11h46m26s
